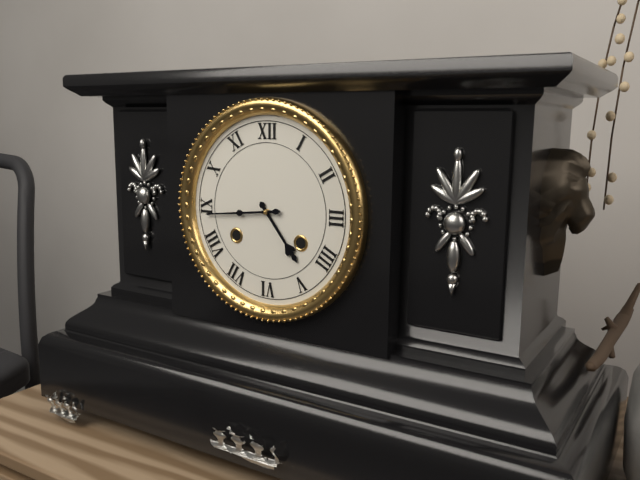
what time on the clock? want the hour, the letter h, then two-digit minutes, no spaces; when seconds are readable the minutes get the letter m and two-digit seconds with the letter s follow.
4h44
